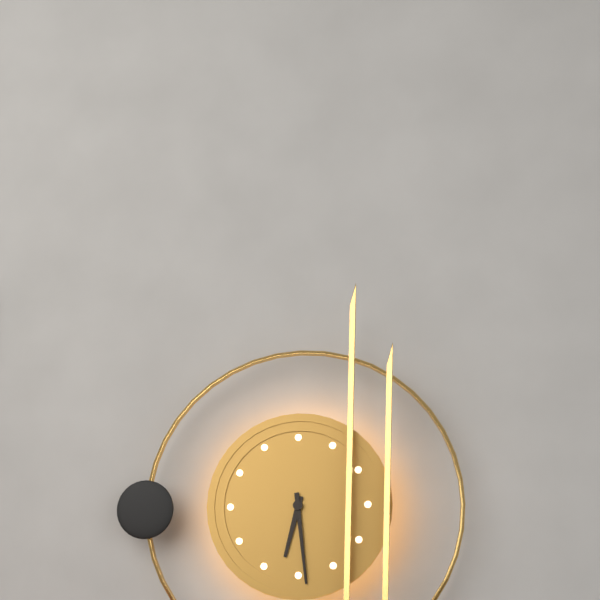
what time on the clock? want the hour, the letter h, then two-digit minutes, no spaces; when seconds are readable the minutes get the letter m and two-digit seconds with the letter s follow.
6h29
